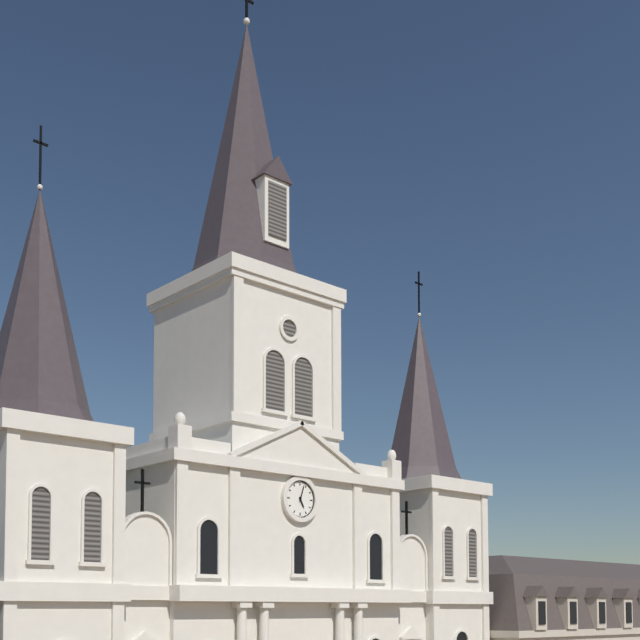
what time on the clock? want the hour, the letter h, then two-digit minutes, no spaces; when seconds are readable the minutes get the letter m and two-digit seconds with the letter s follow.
5h03
